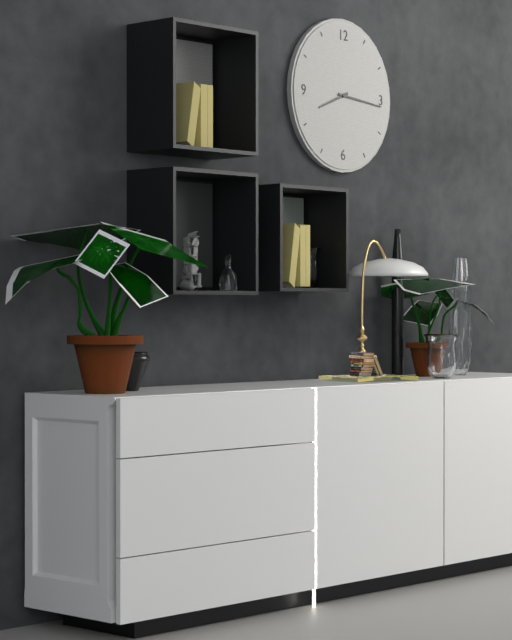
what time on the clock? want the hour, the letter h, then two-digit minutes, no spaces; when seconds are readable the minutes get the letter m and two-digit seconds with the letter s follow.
8h16
